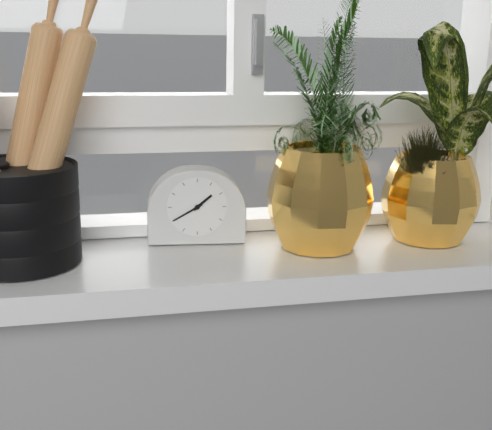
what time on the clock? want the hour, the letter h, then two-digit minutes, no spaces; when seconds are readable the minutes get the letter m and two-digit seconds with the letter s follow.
1h40
